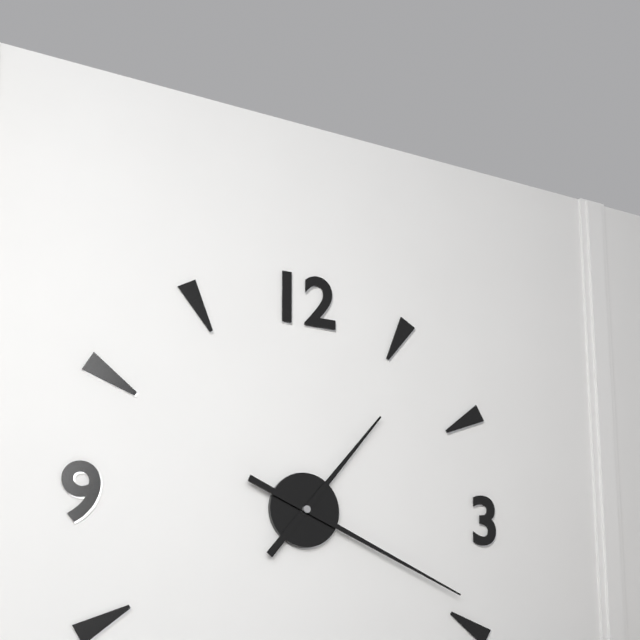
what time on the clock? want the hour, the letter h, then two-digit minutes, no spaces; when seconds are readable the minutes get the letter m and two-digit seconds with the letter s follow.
1h19
